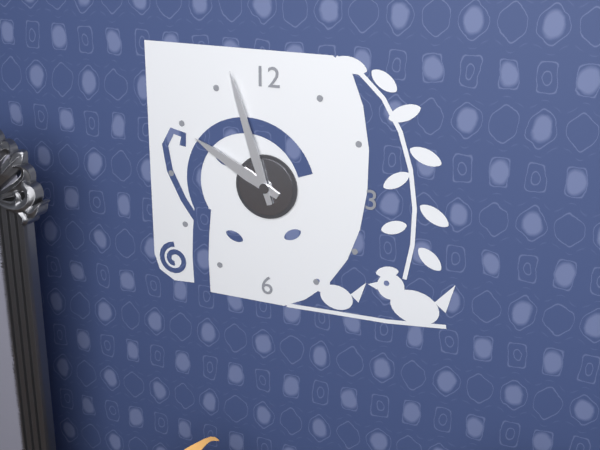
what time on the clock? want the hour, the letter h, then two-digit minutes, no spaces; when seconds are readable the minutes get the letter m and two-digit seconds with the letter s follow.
9h57
